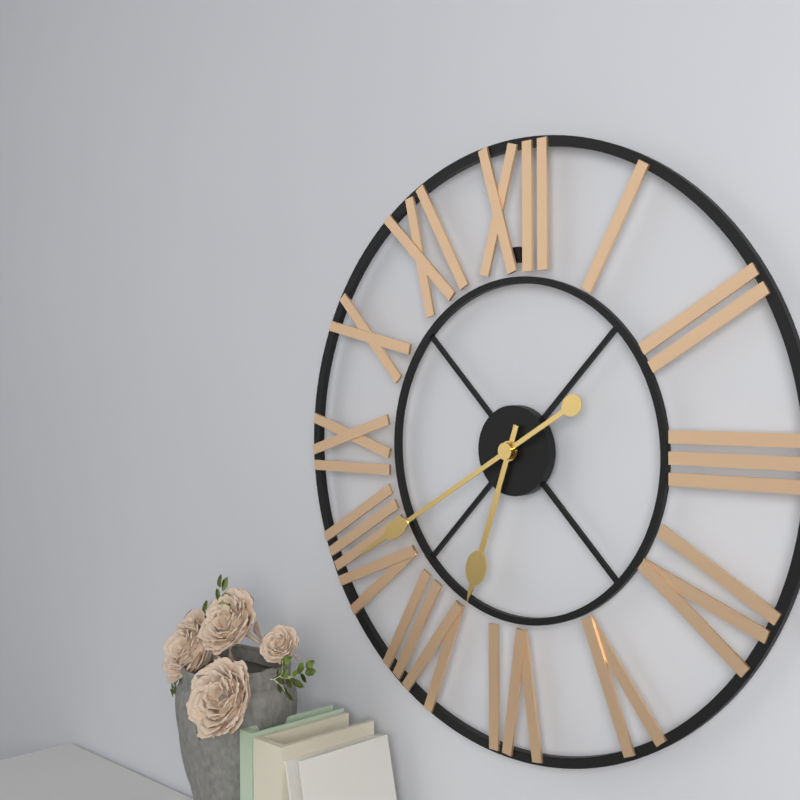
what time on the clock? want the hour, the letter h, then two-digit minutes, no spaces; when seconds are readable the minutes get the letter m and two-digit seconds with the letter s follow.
6h40
